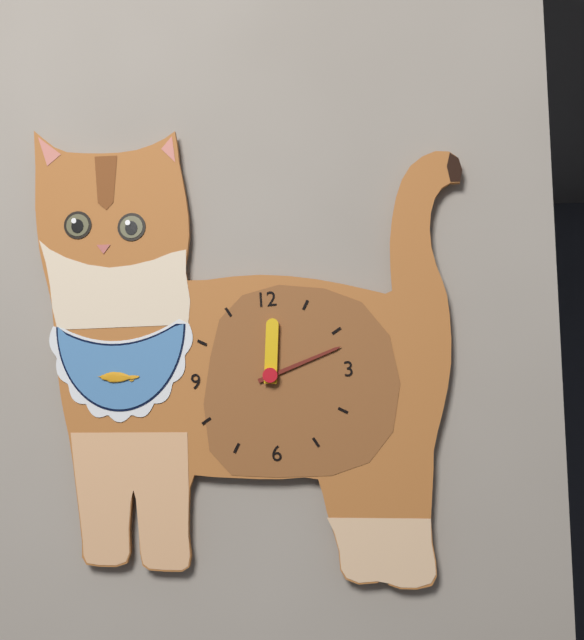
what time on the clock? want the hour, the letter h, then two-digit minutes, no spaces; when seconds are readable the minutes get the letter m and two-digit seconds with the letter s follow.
12h12
